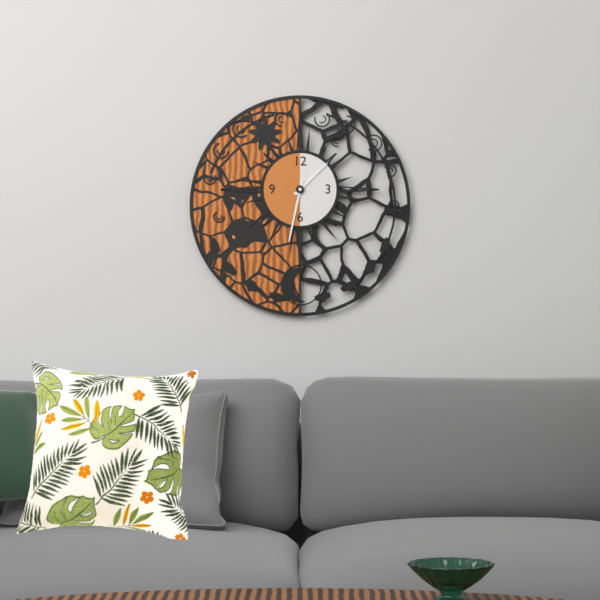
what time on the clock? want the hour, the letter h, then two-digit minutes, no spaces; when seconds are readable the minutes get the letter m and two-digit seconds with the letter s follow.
1h32
